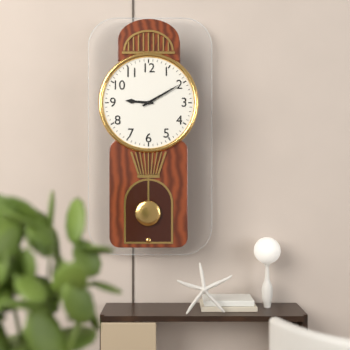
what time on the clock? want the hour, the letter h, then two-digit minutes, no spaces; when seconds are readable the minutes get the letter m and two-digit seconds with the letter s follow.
9h10
